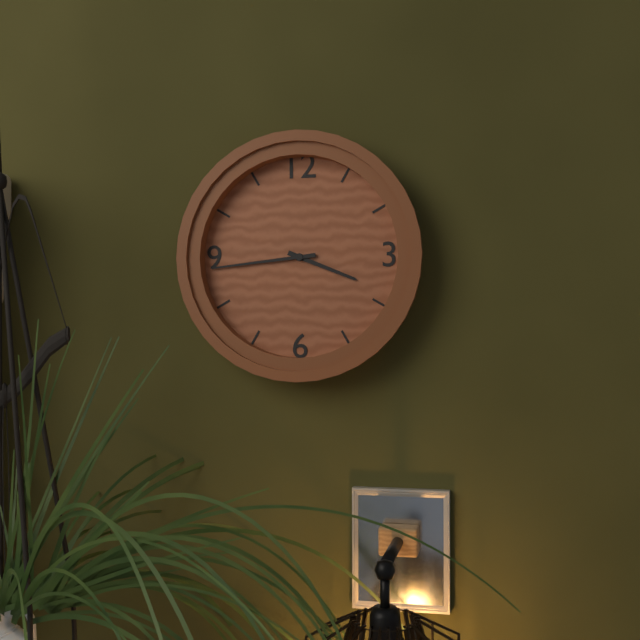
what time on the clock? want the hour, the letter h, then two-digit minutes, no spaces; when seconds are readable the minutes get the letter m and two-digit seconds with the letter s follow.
3h44
